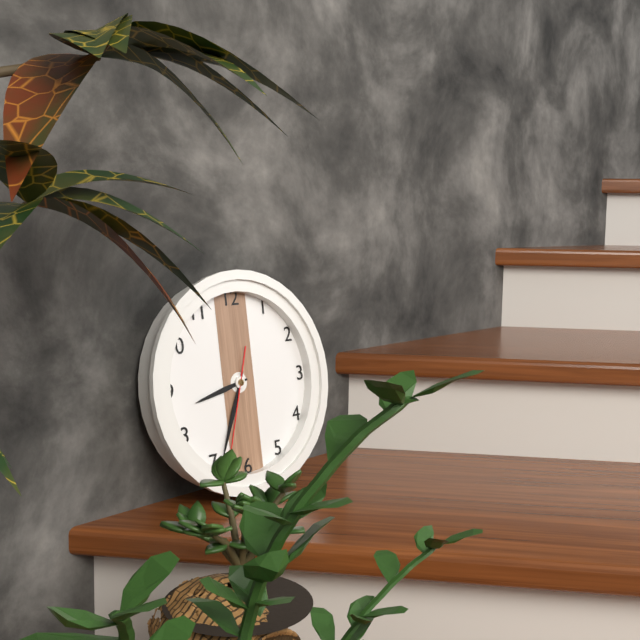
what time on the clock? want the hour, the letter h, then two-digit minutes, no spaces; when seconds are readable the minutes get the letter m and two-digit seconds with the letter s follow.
8h34m33s
